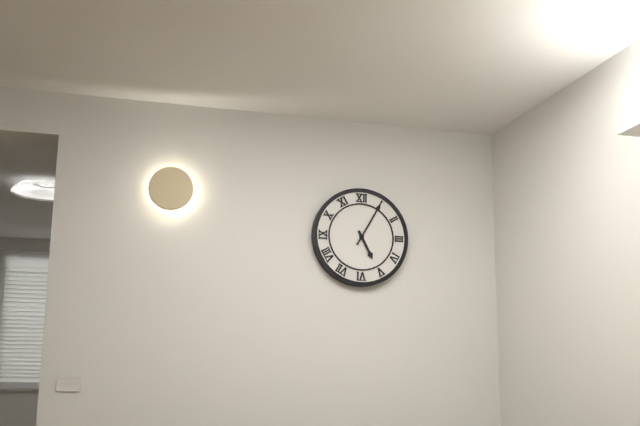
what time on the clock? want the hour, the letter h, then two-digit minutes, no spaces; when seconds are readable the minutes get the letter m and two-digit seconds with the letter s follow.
5h05
